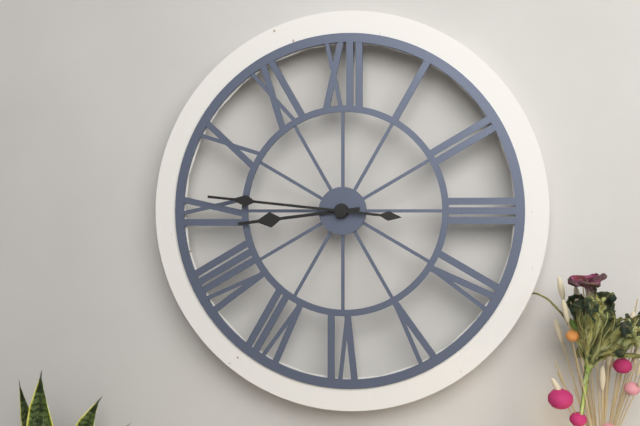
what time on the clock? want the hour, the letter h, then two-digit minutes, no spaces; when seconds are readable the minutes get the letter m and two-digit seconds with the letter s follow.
8h46
